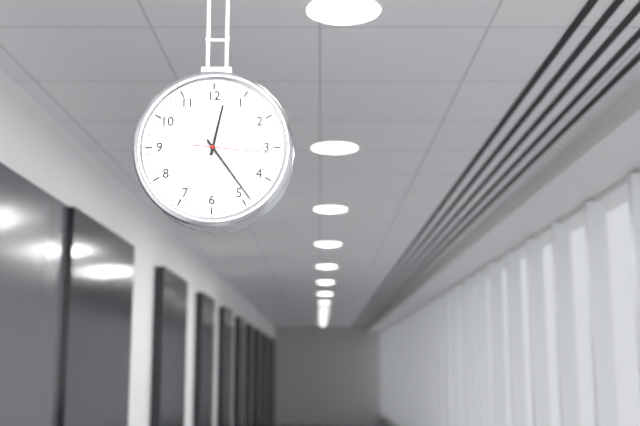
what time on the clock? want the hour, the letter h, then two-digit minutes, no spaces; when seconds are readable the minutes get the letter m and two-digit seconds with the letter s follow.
12h24m16s
